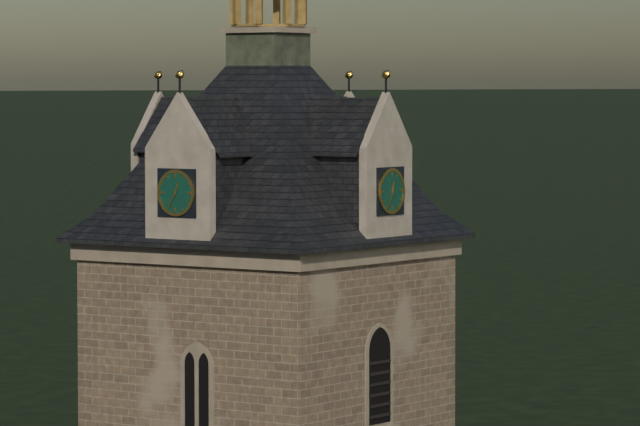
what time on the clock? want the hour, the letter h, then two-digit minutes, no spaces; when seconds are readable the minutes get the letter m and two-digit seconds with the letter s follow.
12h35
